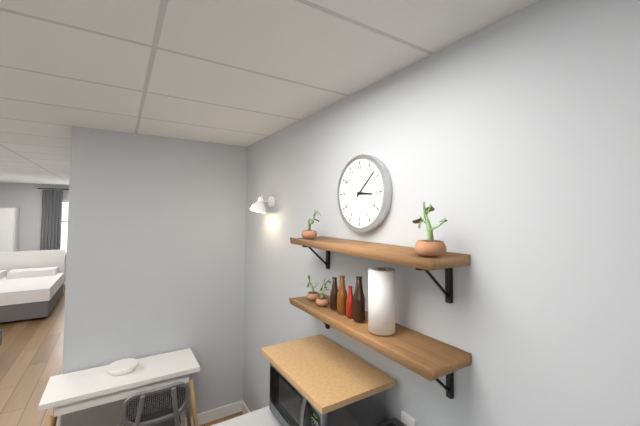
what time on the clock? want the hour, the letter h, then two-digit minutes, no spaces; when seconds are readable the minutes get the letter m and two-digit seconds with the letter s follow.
3h08
